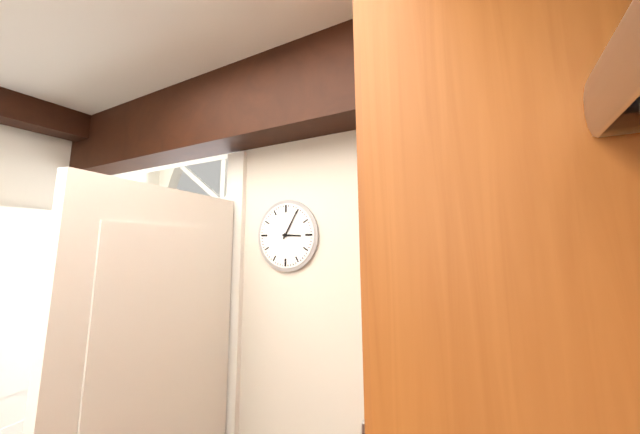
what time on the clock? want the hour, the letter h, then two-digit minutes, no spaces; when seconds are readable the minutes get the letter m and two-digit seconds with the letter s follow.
3h05
